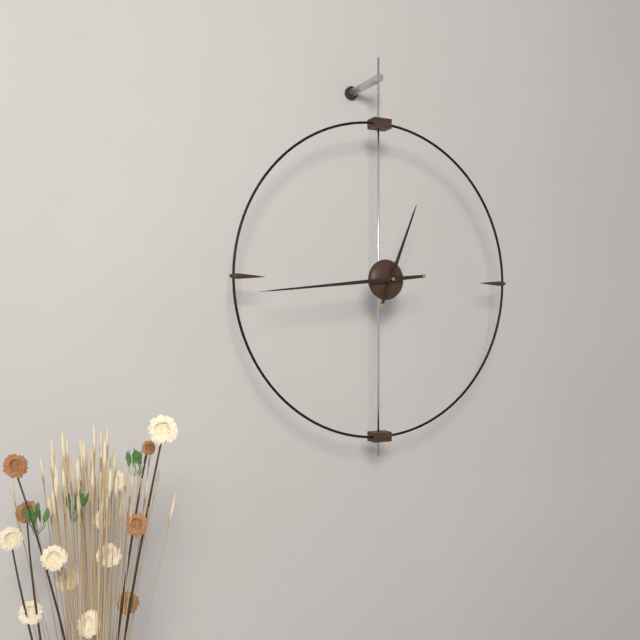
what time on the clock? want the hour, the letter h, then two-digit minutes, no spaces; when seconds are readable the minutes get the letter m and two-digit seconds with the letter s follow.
12h44
